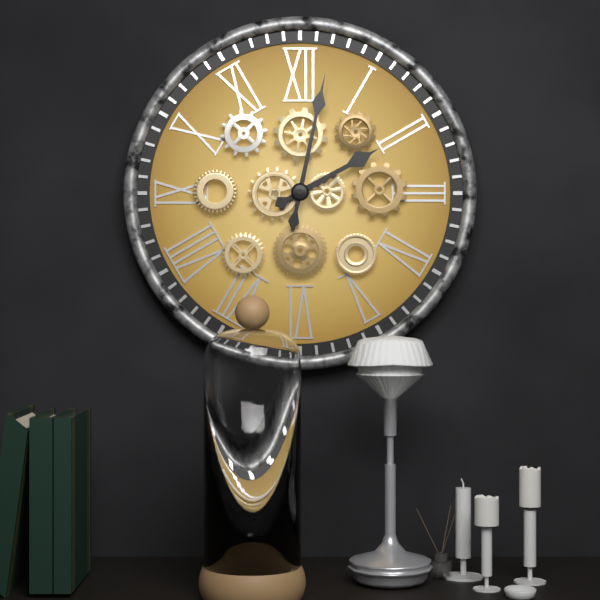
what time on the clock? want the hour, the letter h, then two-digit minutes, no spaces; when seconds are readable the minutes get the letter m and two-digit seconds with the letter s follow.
2h02
